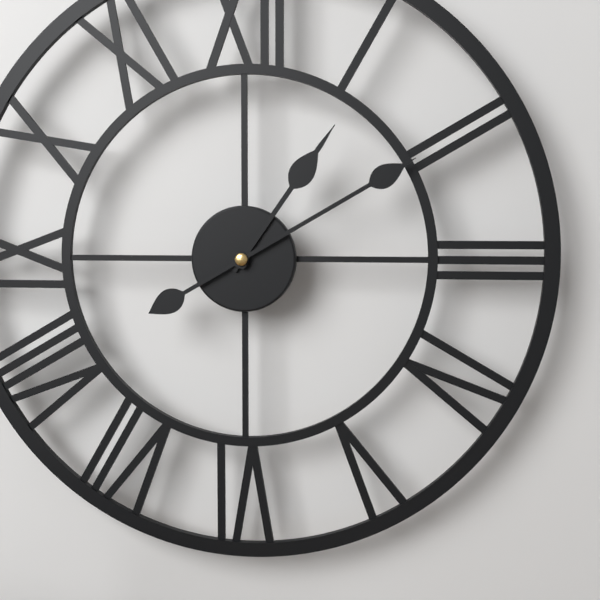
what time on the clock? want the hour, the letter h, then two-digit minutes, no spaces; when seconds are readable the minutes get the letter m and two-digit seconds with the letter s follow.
1h10
